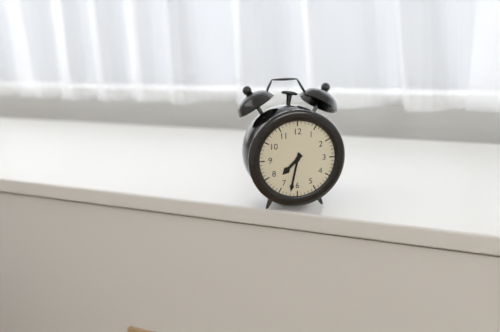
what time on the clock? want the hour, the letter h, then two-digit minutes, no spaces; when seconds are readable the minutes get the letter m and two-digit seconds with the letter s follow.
7h32
